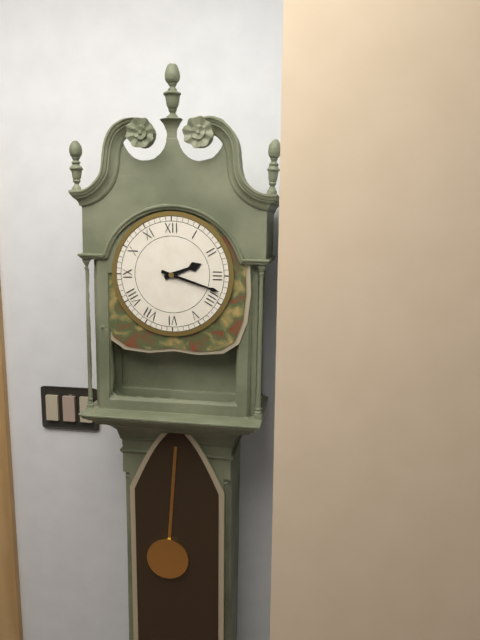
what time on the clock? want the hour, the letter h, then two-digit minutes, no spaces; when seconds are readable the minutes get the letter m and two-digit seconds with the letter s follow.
2h18
